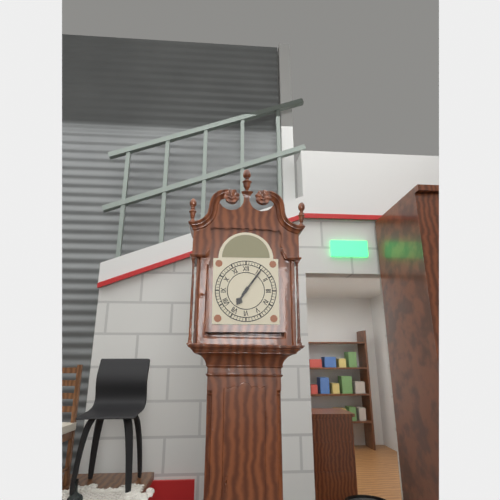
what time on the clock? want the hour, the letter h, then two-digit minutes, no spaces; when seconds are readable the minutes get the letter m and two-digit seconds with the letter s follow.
7h06
